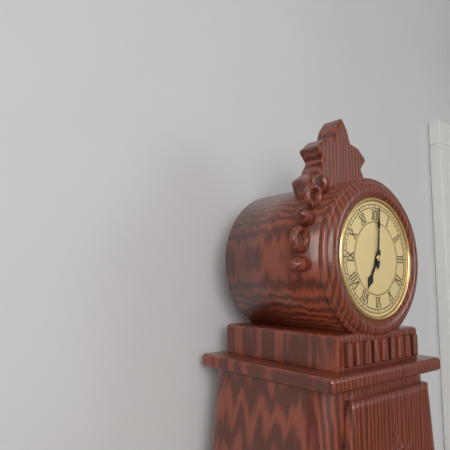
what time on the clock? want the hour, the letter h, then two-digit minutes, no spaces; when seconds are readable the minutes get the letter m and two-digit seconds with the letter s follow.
7h01
